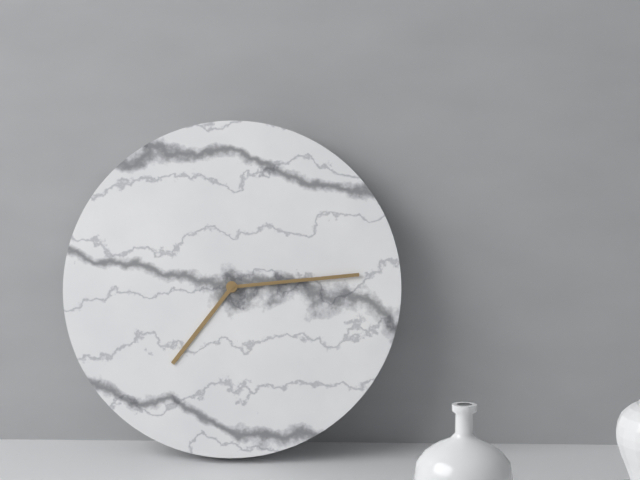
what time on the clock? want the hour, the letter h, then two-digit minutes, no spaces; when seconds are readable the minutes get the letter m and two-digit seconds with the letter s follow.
7h14
